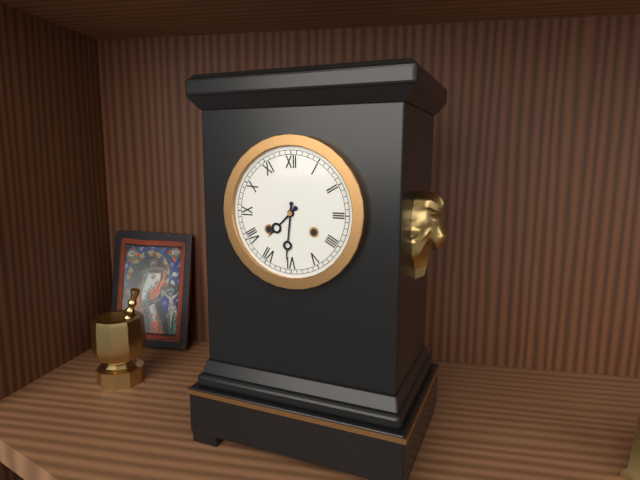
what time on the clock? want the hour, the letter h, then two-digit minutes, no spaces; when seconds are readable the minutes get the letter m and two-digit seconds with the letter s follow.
7h31
